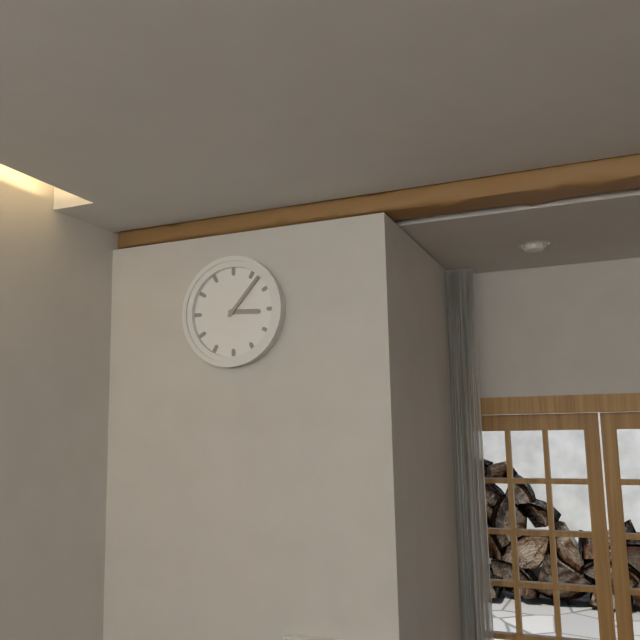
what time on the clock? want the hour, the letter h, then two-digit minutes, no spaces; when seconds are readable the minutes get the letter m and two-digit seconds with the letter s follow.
3h07
